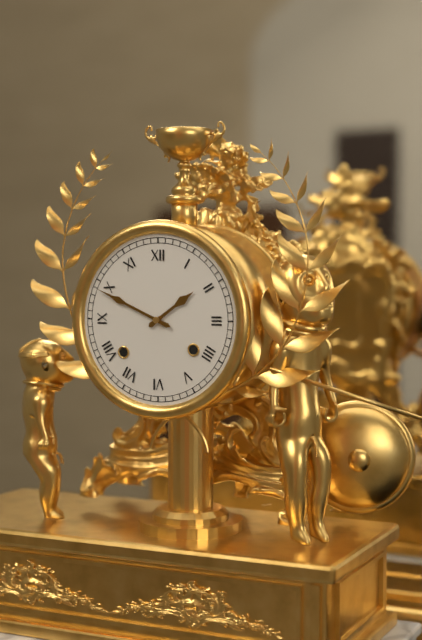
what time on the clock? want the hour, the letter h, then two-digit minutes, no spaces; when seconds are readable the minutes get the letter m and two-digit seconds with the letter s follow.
1h49
